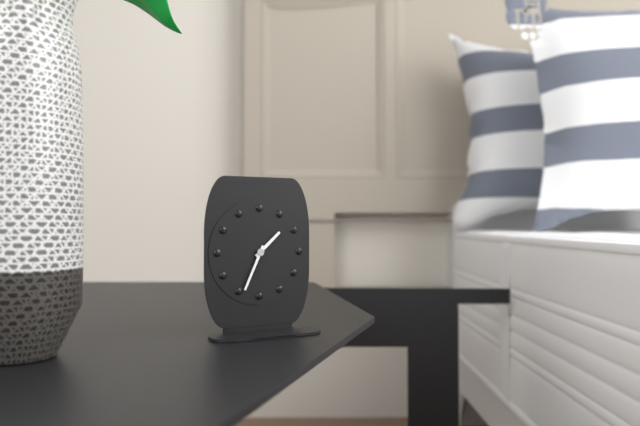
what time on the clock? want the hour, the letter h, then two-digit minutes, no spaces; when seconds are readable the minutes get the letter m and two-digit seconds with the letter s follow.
1h34
